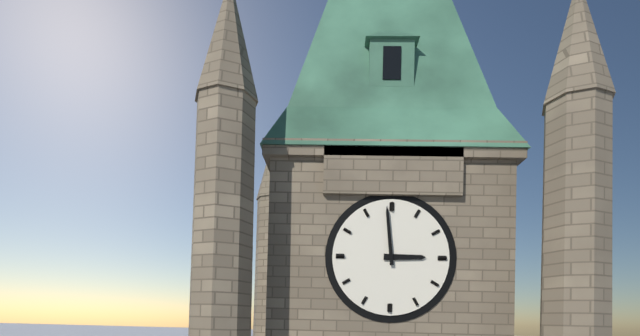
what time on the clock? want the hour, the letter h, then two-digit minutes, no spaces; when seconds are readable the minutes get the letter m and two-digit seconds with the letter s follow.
2h59
